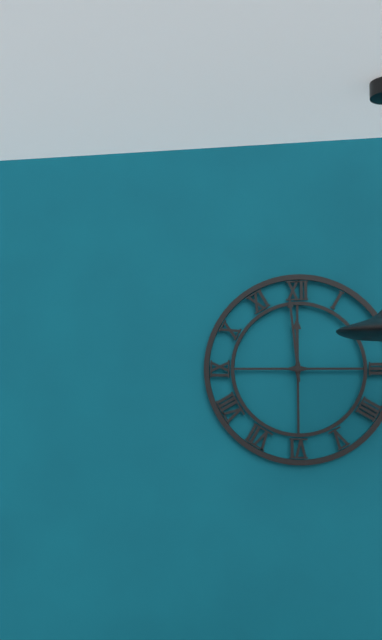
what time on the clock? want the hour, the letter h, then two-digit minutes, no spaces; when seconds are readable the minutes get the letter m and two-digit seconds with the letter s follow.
11h59
